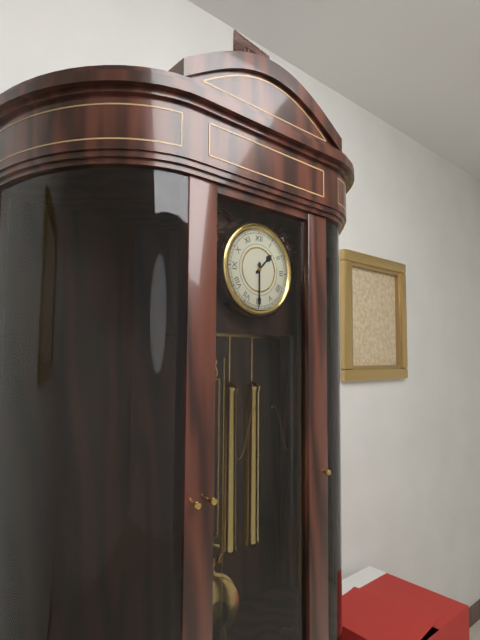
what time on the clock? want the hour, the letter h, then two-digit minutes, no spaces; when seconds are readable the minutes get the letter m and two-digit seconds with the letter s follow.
1h30
